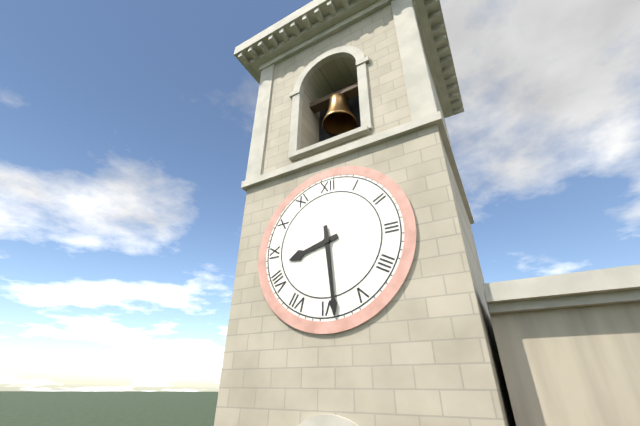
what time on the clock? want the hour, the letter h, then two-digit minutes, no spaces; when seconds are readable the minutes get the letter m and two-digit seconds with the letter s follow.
8h29
